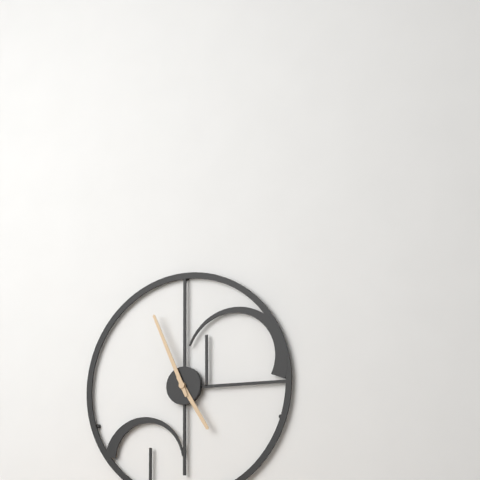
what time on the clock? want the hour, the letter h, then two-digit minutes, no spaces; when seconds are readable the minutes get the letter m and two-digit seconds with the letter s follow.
4h56
